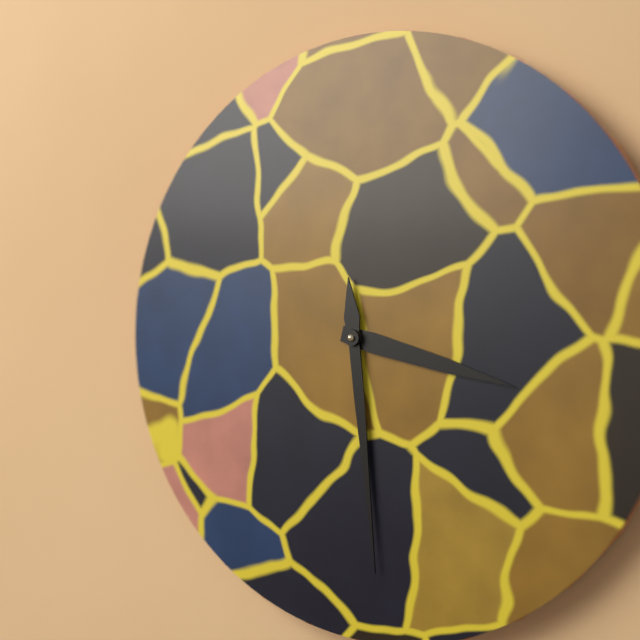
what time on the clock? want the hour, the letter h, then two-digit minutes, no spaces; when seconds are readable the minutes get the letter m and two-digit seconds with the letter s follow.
3h29
